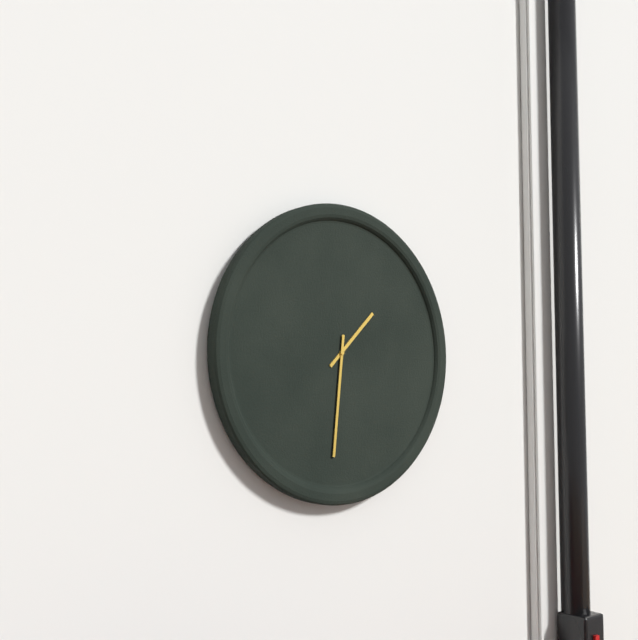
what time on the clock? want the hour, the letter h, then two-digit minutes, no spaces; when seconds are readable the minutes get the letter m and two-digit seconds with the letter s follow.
1h31
